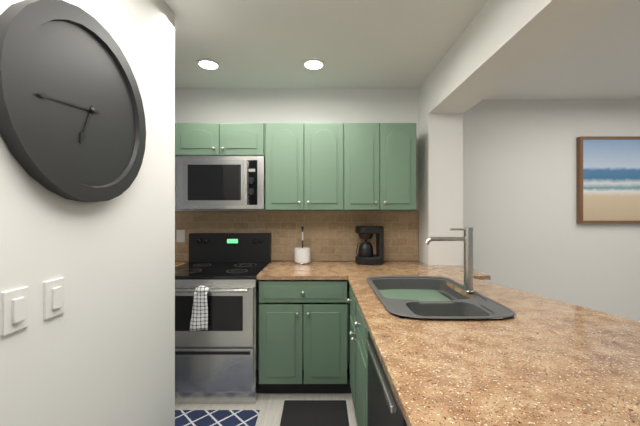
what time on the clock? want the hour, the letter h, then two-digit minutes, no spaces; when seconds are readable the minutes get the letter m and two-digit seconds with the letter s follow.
6h44
